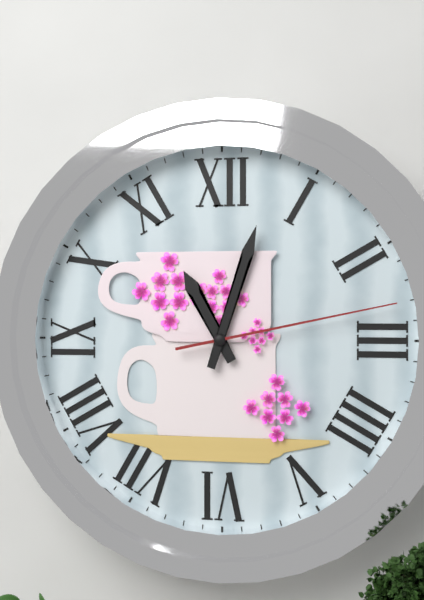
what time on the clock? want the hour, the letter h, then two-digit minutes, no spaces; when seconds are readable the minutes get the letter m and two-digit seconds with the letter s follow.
11h03m13s
